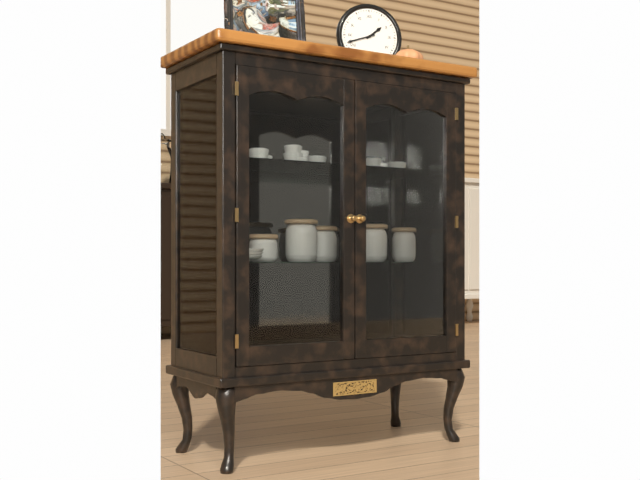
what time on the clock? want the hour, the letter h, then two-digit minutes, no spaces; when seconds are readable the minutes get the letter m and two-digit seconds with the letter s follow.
1h42
